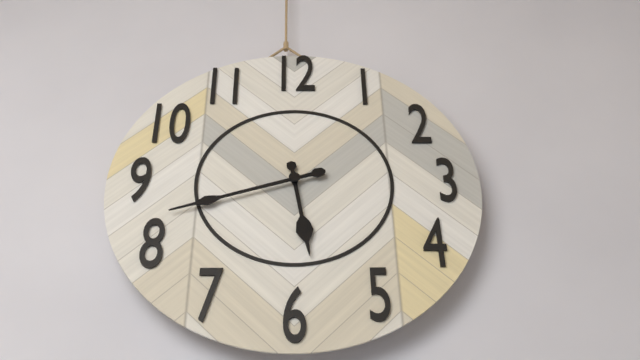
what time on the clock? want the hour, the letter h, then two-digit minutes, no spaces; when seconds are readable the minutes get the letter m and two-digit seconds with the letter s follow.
5h42
